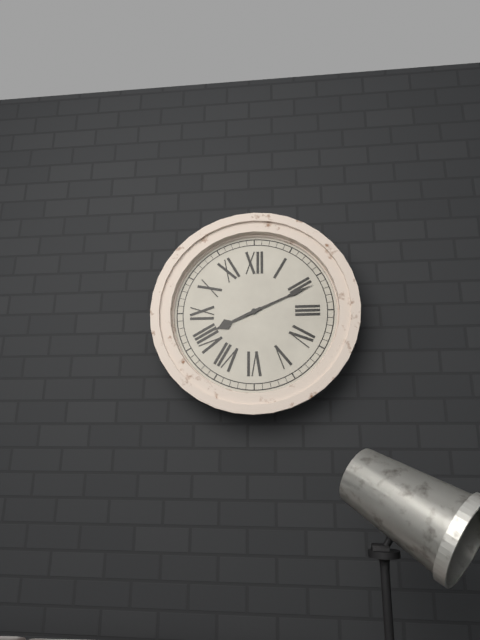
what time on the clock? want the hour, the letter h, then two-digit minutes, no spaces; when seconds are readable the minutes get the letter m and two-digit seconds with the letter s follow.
8h11
